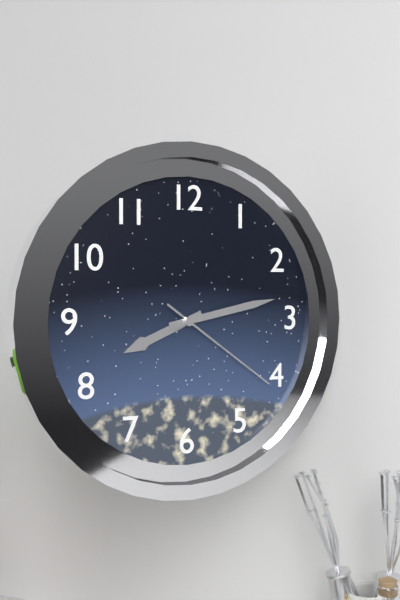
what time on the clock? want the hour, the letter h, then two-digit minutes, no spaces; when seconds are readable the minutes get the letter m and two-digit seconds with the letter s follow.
8h13m21s
